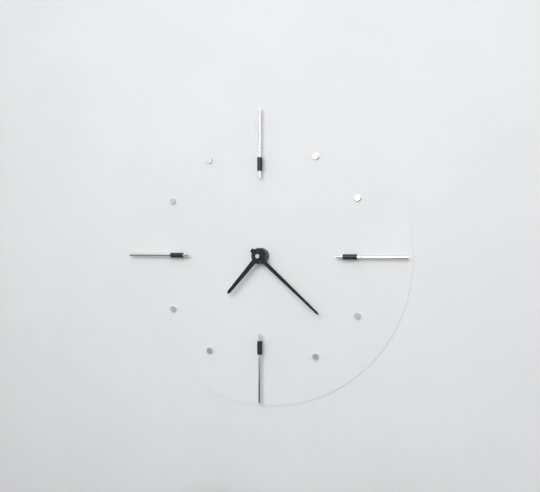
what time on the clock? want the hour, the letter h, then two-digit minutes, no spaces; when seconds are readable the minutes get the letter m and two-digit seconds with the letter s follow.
7h22
